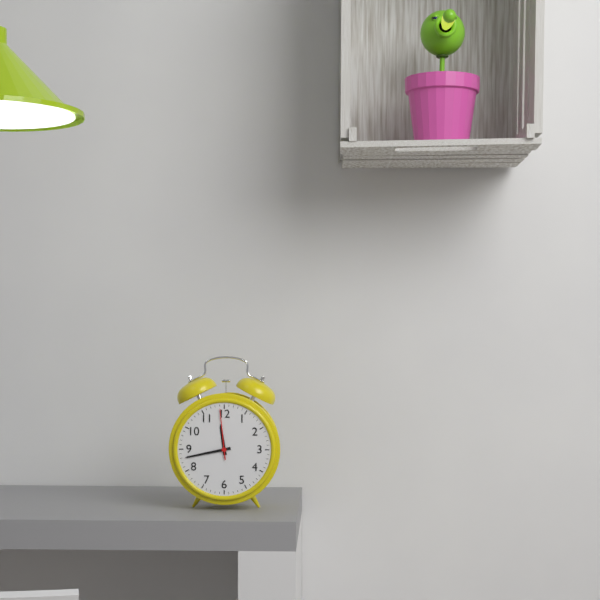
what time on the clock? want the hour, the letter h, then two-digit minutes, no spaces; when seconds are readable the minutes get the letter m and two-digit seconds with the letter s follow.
11h43m59s
